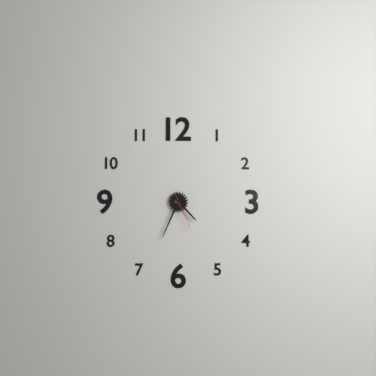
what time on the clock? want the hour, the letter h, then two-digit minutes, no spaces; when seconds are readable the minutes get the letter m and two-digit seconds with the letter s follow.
4h34
